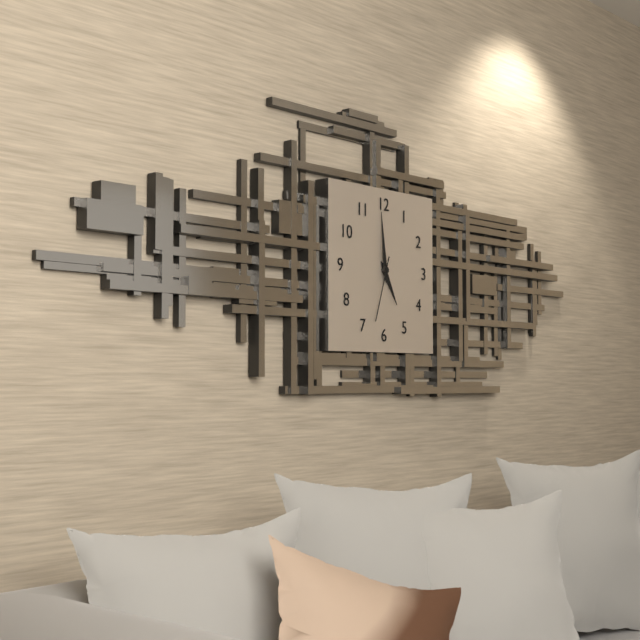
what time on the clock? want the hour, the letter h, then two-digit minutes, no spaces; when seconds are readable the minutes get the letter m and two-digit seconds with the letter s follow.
4h59m33s
